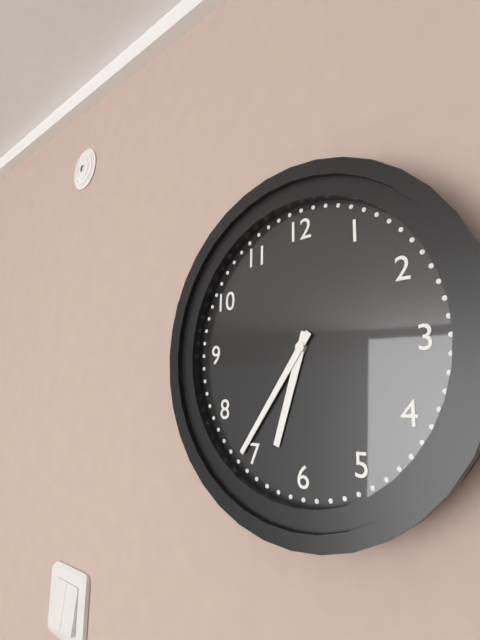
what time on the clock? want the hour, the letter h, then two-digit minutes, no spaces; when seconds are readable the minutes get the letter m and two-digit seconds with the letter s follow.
6h36
